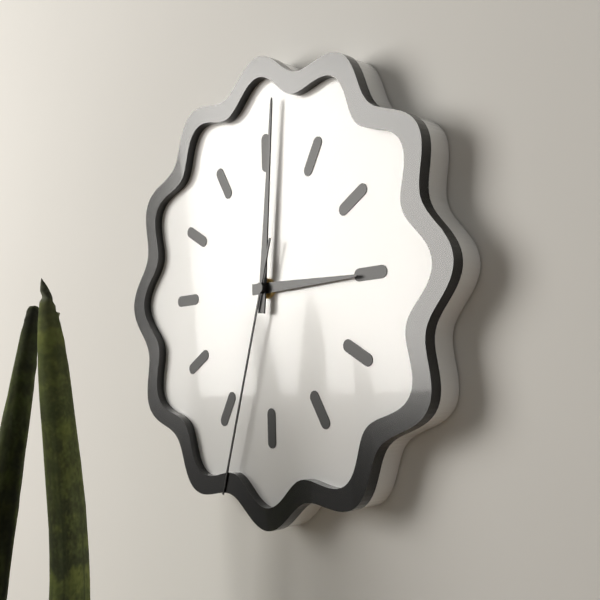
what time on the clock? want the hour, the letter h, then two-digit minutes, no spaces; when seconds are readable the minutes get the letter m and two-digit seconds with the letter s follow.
3h01m33s
